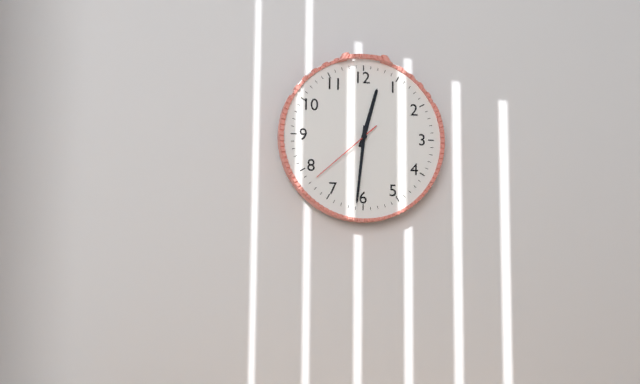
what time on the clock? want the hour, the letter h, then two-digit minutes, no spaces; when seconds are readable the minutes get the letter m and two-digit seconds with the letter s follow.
12h31m38s
